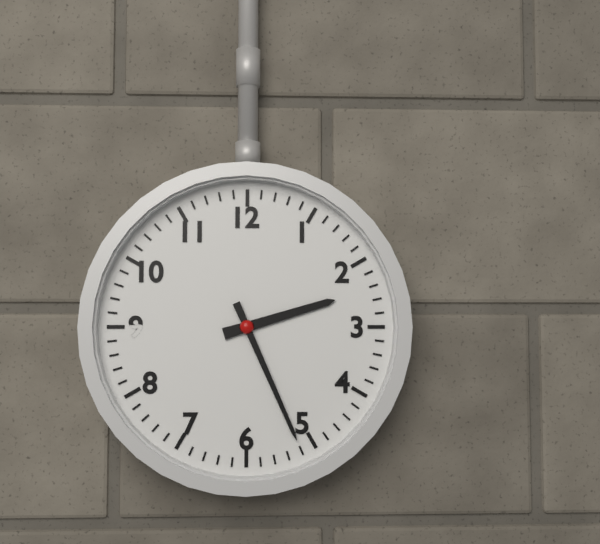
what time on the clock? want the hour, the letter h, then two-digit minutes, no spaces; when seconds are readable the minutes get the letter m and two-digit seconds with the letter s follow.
2h26
